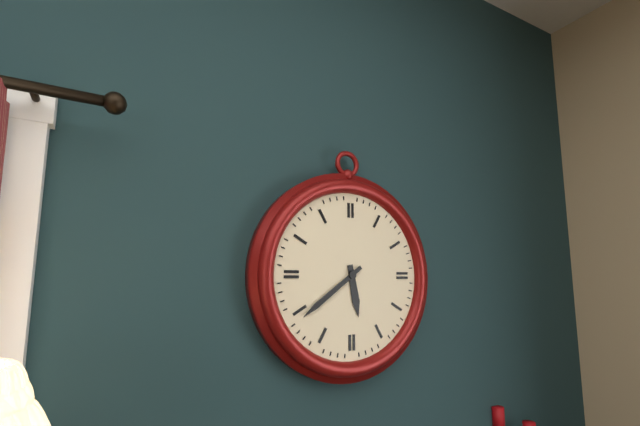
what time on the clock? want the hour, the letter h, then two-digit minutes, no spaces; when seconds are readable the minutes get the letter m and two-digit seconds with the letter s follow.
5h39
